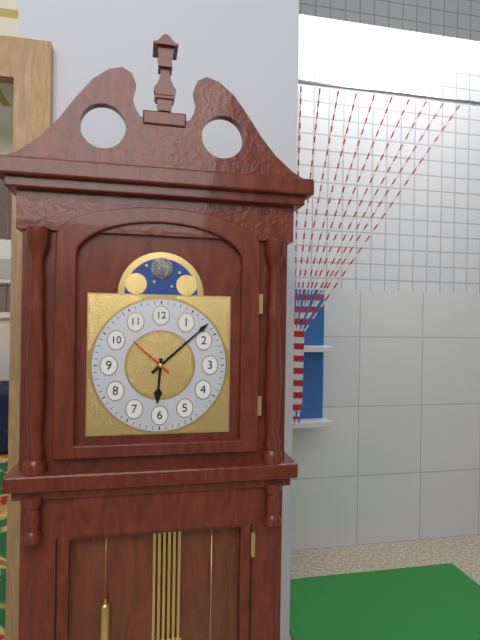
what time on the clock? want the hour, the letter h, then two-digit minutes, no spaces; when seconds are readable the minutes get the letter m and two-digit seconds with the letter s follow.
6h08
